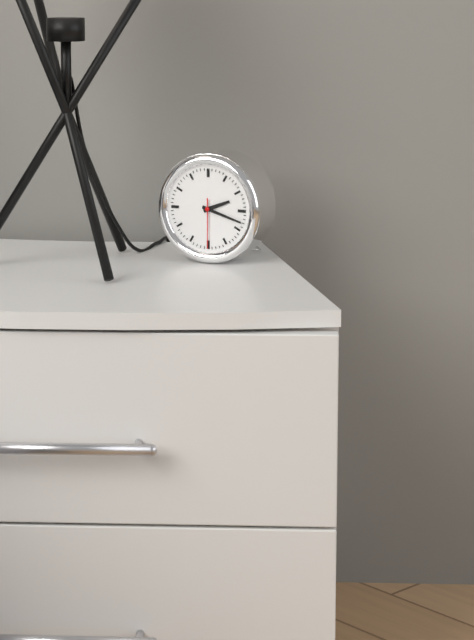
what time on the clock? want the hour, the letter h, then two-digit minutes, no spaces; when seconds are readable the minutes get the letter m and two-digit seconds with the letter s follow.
2h18m30s
